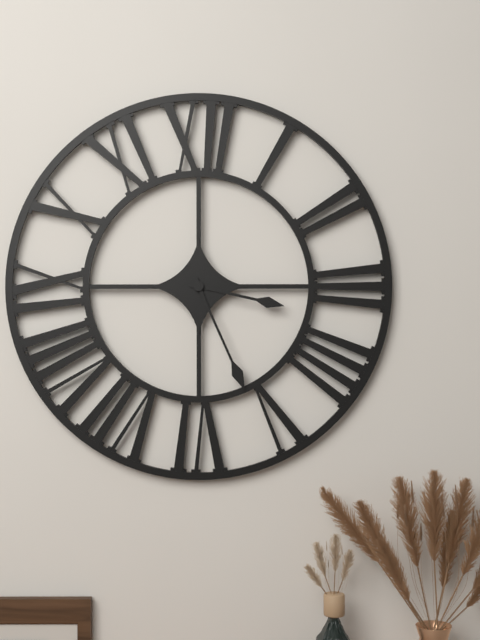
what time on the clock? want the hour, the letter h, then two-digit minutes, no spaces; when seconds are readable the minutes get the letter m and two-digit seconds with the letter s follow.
3h26
